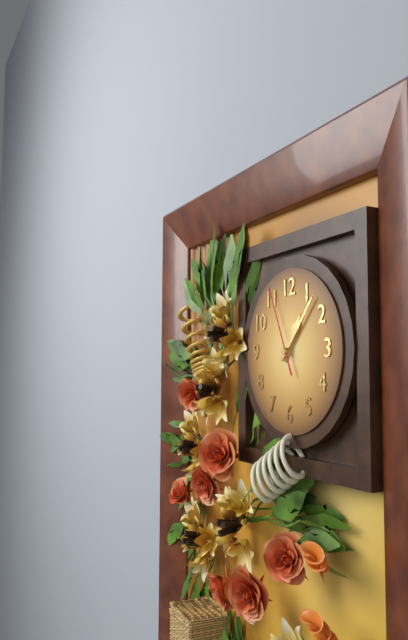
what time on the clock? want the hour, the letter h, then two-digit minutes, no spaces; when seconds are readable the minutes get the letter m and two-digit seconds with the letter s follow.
1h07m56s
